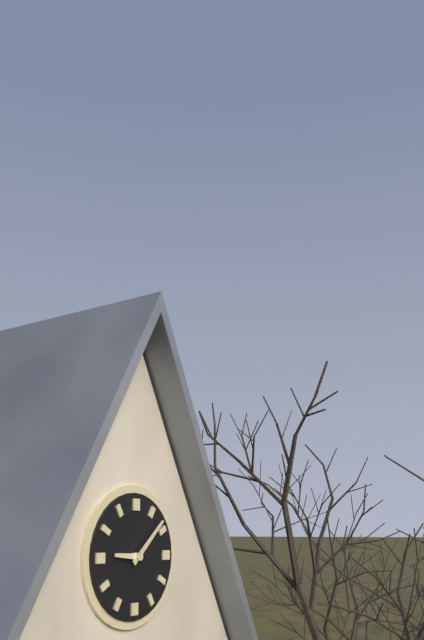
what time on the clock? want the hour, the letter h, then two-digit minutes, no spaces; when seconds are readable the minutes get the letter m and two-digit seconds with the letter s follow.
9h08
